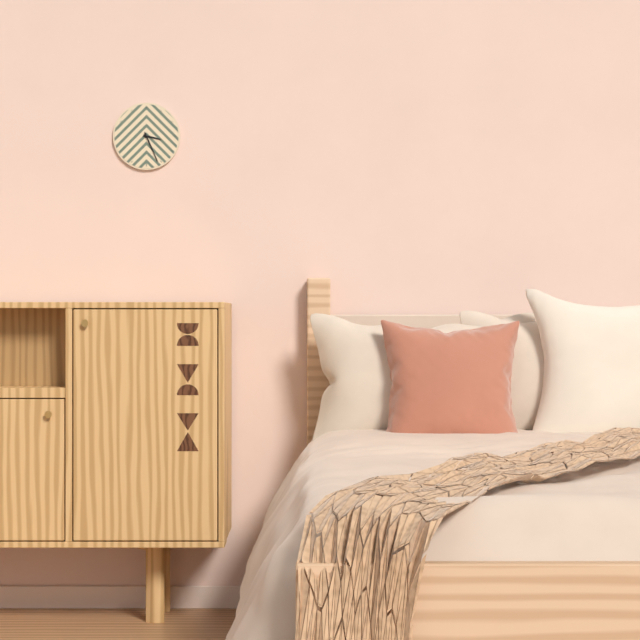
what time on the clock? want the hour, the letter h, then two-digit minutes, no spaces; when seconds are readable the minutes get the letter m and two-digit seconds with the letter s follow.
3h26
